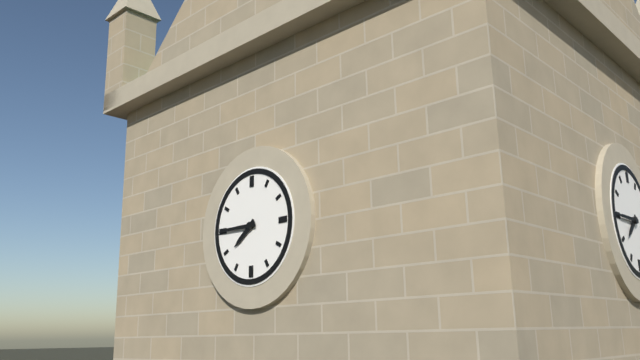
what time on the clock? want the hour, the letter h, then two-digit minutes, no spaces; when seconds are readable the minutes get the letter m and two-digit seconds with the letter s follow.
7h45
